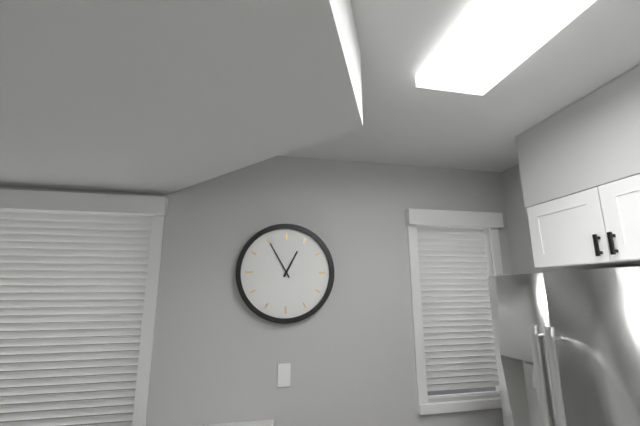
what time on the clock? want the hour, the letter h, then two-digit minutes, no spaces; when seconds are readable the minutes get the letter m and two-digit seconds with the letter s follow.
12h55
